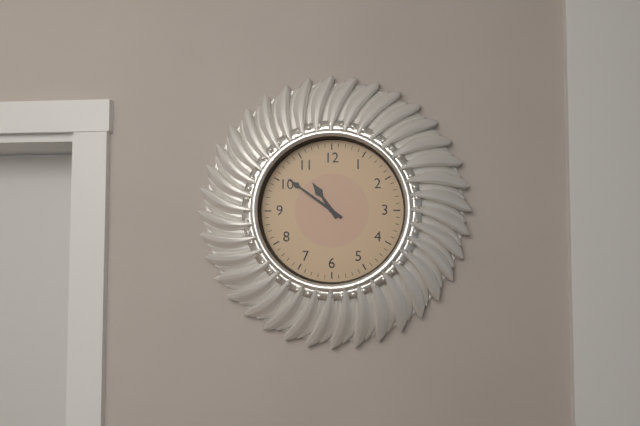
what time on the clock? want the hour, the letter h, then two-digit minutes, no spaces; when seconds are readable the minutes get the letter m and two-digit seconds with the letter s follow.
10h51
